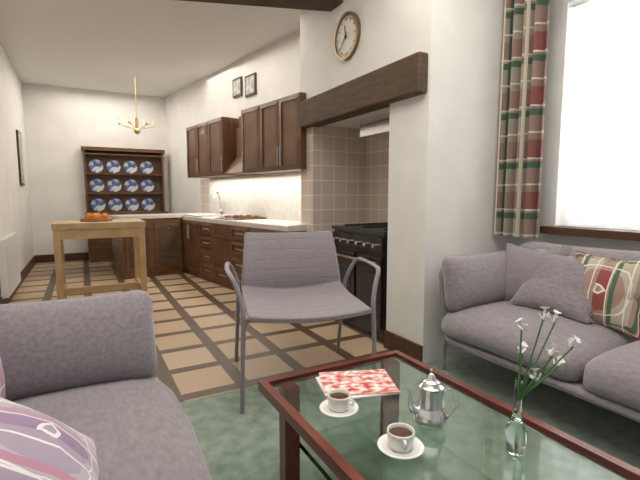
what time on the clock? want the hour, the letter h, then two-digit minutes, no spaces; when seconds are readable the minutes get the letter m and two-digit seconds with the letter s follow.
11h37
